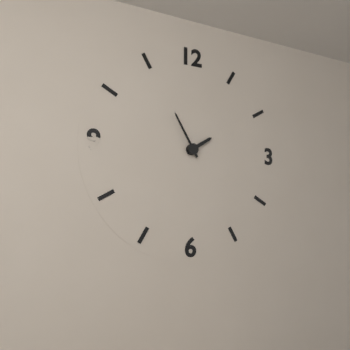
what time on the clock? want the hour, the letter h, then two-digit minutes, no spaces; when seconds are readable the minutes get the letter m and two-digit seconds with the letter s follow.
1h55
